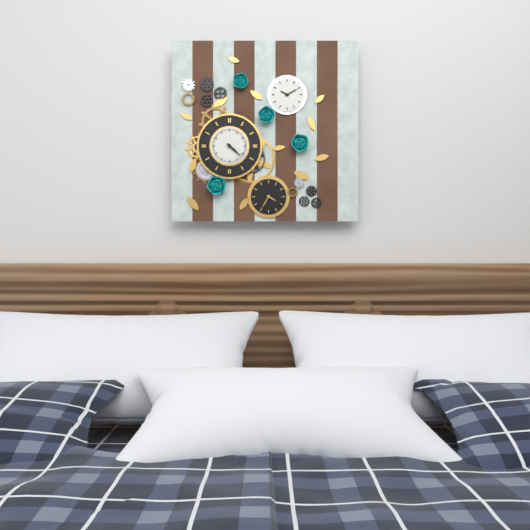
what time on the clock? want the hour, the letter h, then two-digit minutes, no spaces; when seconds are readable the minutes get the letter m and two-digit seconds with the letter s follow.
4h22
